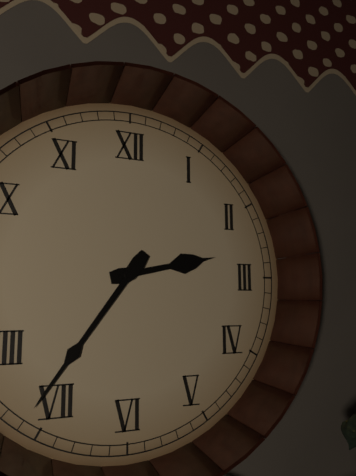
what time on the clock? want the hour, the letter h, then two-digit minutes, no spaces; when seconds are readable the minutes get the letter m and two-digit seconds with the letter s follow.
2h36
